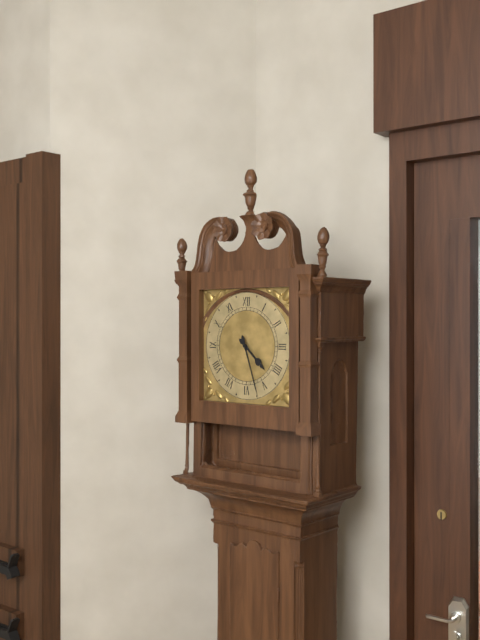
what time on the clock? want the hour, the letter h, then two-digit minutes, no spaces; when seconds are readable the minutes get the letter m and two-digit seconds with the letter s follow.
4h27
